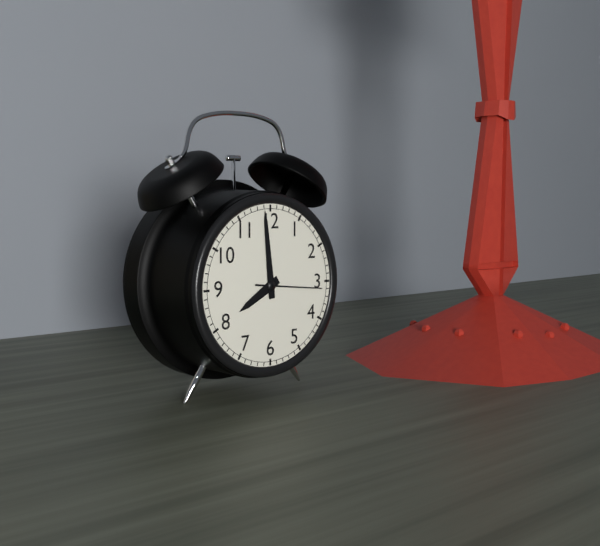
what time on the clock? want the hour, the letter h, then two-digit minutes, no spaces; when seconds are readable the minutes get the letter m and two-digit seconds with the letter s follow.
7h59m16s
